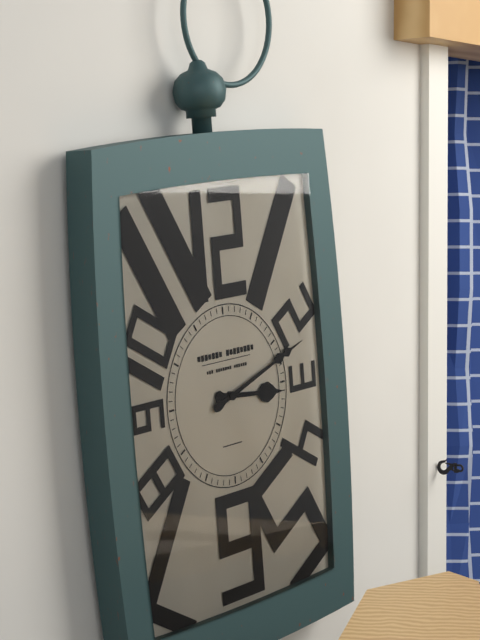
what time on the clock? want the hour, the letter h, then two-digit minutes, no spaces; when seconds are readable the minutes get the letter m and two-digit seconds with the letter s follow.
3h12
